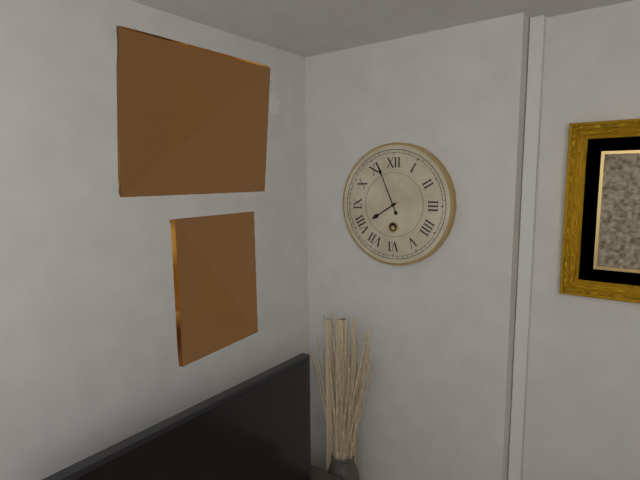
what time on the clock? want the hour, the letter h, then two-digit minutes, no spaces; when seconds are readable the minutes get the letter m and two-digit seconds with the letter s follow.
7h56
